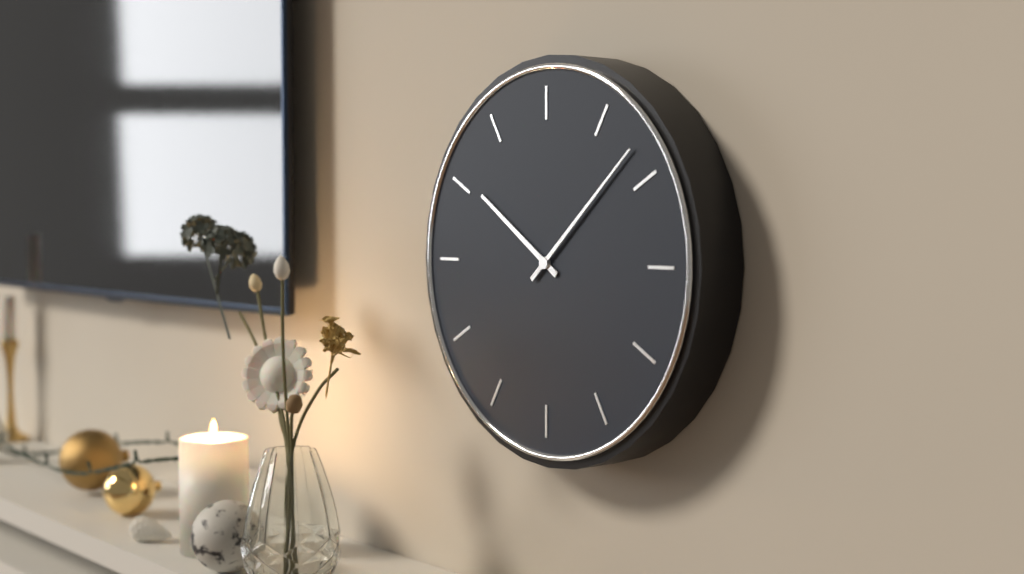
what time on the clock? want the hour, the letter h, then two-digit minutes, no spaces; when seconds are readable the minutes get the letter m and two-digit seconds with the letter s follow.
10h08
